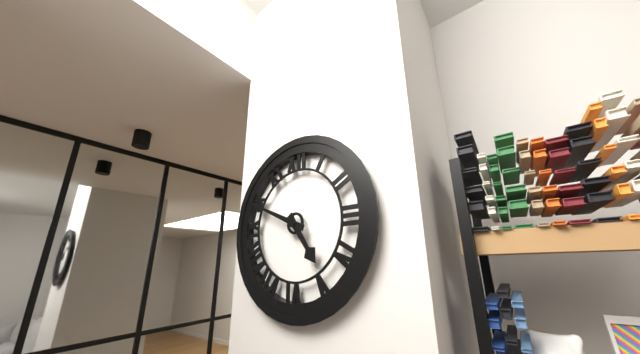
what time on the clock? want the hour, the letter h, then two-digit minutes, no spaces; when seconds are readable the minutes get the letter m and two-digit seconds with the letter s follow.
4h49
